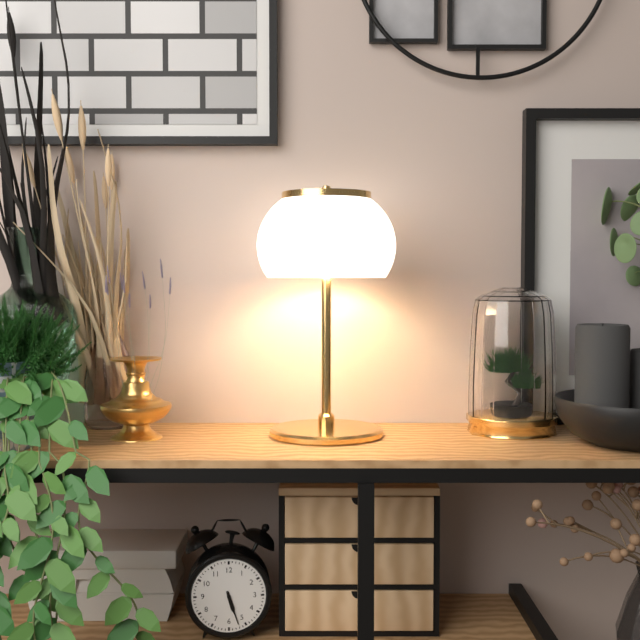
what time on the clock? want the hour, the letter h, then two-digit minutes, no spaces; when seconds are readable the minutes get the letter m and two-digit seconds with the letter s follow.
5h27
